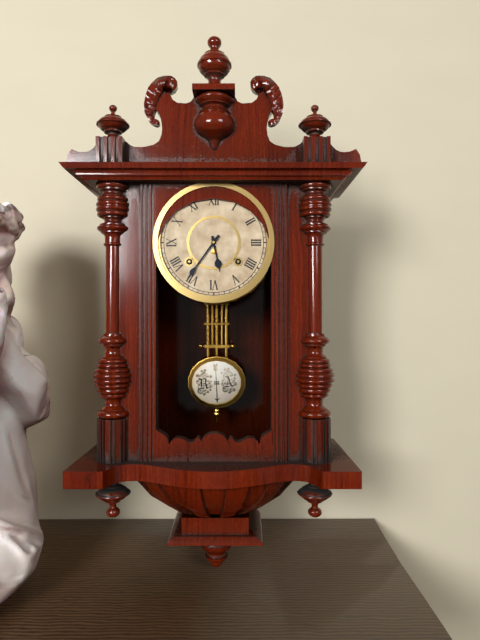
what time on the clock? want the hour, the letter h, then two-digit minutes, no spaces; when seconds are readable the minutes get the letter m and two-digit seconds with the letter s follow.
5h36
